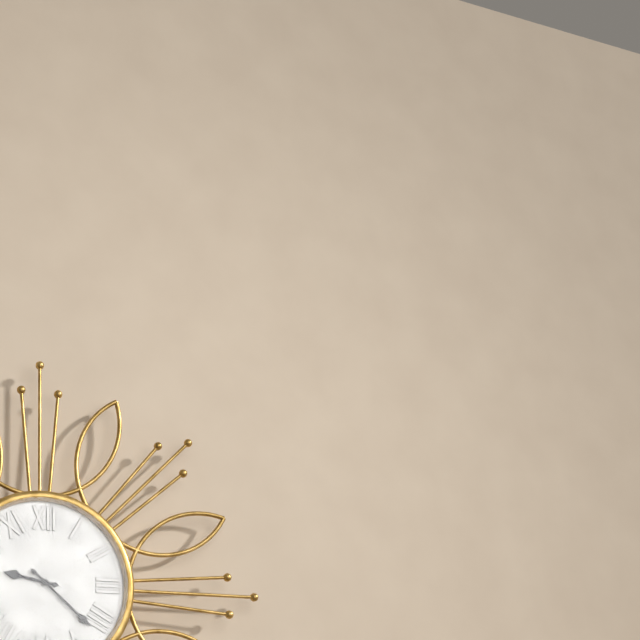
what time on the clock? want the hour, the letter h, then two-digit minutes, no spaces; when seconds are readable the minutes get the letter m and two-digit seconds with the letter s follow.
9h22
